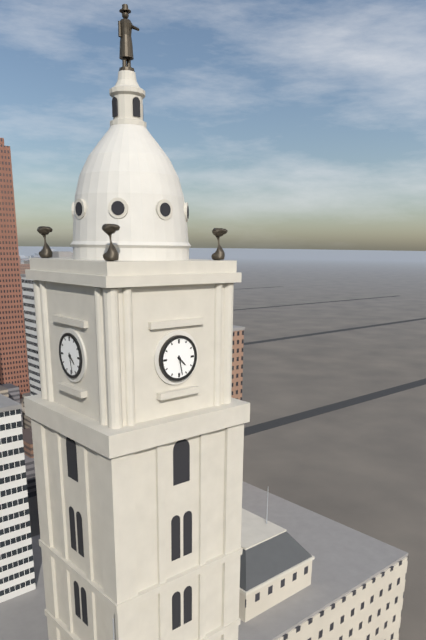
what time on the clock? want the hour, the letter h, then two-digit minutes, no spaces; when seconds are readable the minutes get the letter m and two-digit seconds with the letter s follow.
4h28
